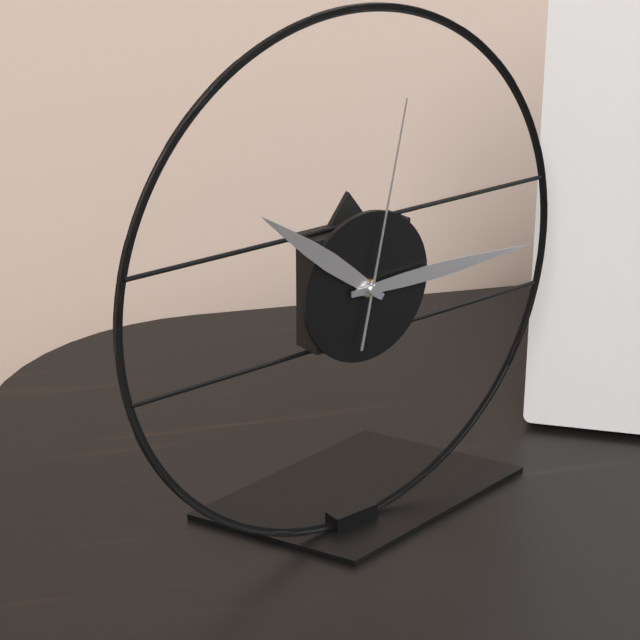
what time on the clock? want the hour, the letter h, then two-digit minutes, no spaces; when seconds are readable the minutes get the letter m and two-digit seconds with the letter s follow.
10h15m02s
